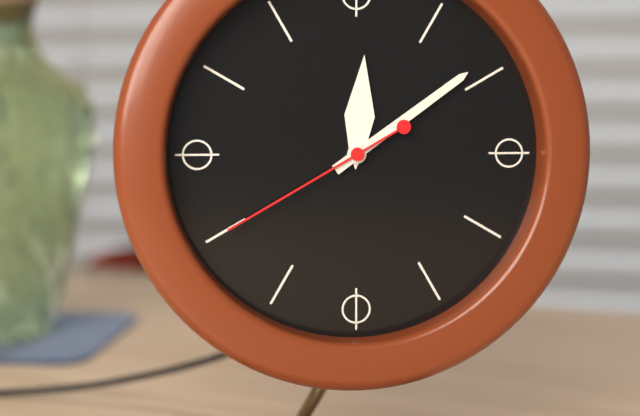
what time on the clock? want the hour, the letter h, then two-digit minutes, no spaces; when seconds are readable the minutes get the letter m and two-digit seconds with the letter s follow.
12h09m40s
